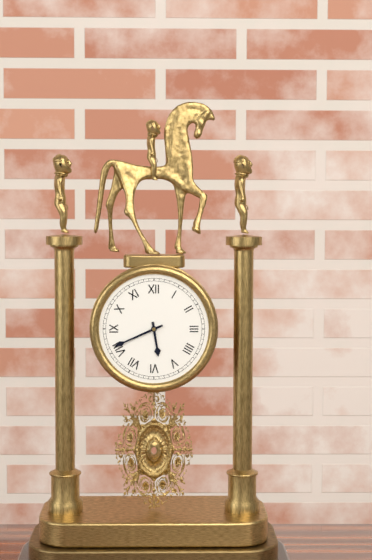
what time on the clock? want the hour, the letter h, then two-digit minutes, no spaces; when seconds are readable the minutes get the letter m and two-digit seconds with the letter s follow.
5h41
